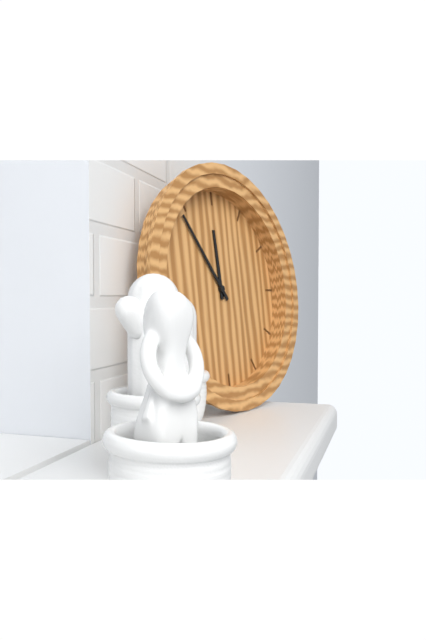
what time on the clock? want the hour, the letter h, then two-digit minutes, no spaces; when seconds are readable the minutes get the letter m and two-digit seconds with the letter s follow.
11h54
